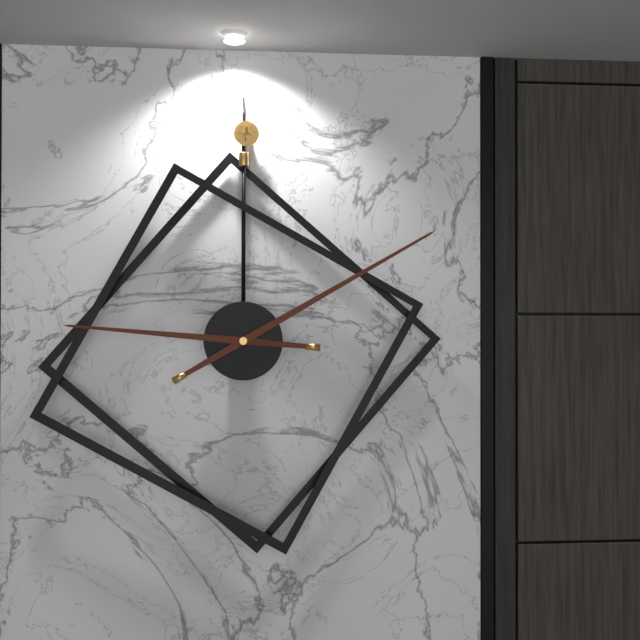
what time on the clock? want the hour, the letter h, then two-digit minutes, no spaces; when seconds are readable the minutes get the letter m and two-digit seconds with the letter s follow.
9h10
